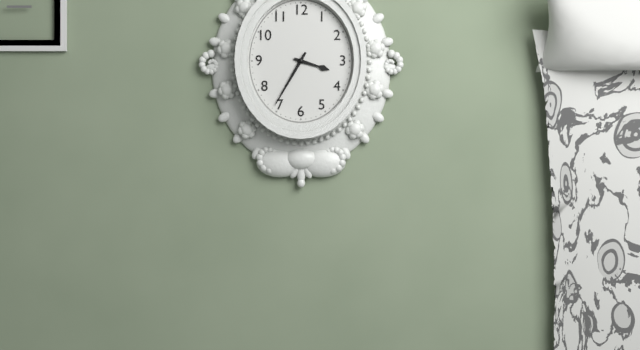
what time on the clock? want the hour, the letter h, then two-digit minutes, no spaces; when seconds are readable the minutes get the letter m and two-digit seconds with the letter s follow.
3h35
